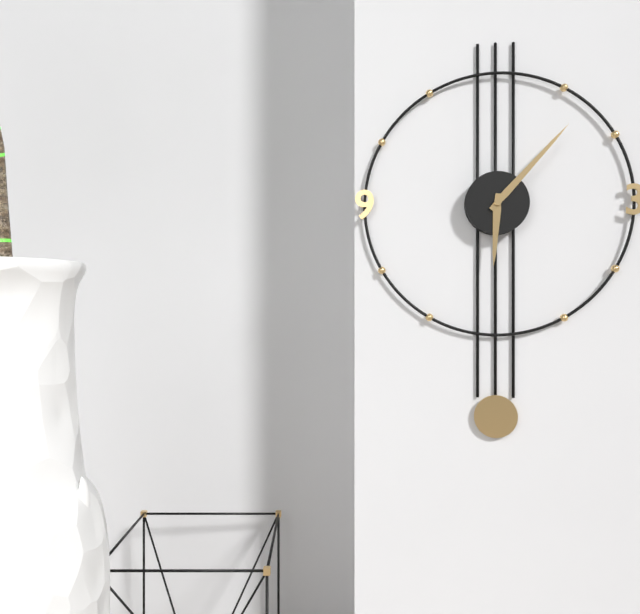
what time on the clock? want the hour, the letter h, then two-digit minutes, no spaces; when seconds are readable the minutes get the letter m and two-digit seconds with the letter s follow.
6h07
